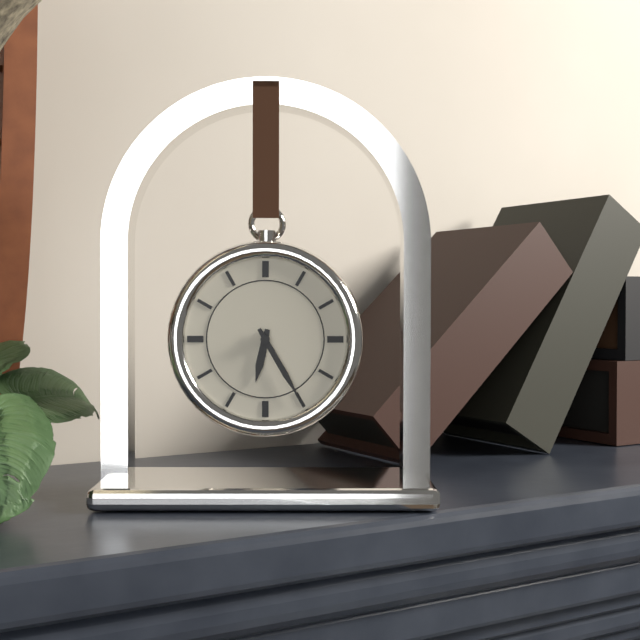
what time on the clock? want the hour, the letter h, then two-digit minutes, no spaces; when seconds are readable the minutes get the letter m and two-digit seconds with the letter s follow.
6h25
